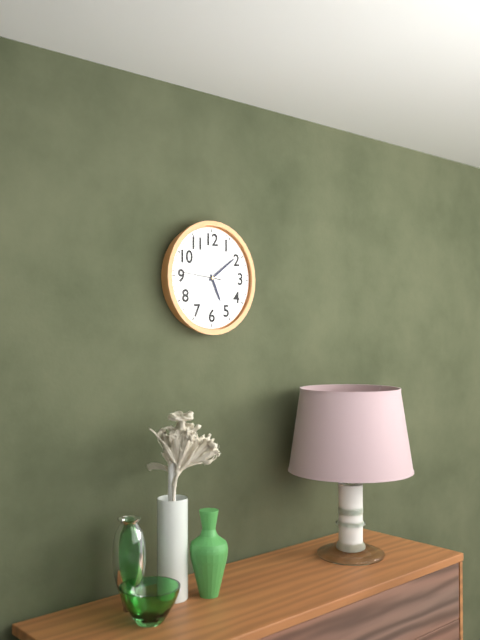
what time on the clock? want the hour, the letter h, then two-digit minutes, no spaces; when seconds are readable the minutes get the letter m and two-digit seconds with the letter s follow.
5h09
